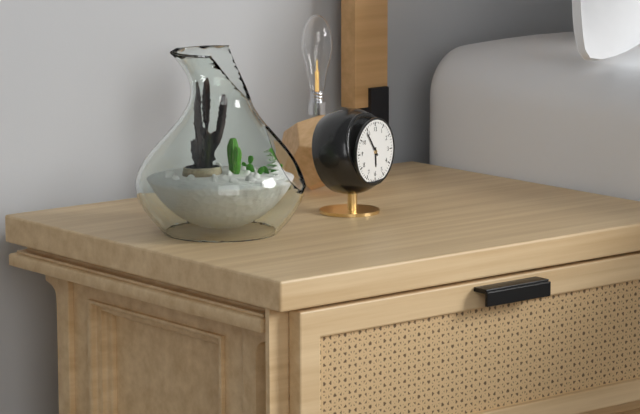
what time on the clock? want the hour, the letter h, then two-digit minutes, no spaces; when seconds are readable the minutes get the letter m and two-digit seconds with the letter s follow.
5h54
